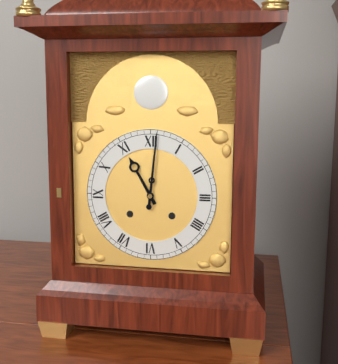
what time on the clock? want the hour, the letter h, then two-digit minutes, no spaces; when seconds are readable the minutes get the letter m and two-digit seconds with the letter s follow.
11h01
